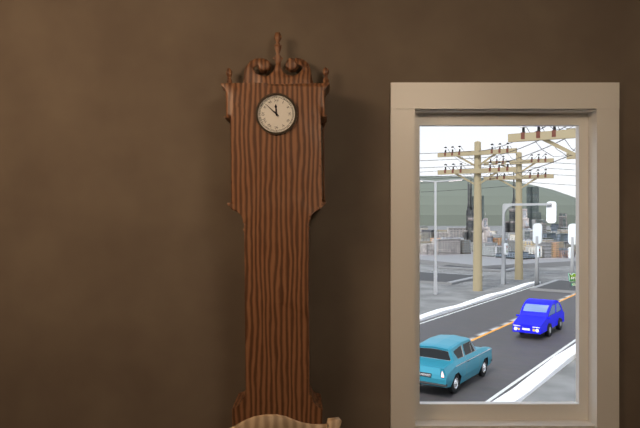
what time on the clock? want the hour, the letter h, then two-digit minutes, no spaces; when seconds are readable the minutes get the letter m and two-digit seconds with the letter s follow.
11h52
